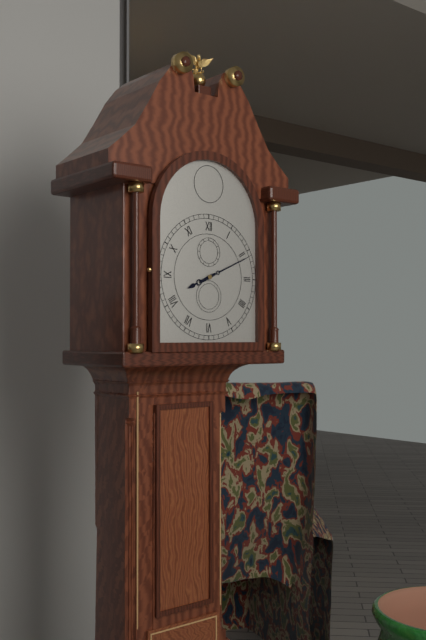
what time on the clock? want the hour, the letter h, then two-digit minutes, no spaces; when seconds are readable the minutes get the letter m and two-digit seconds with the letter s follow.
8h11
